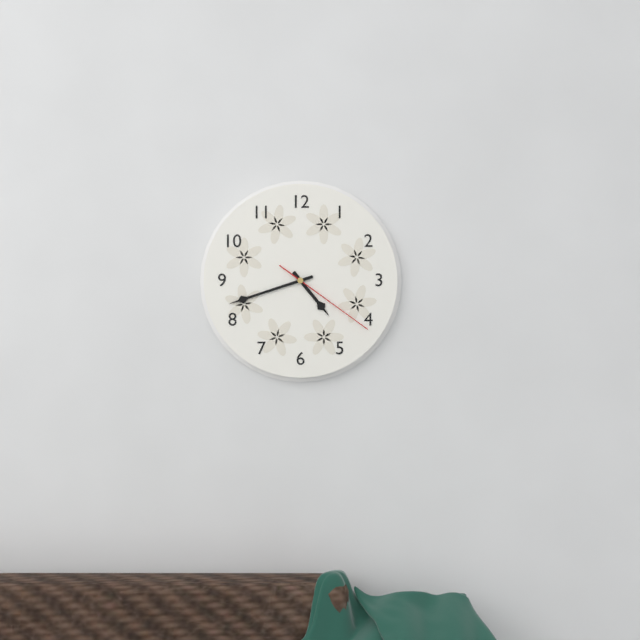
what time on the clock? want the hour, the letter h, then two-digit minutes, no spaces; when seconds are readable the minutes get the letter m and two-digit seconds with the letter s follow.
4h42m21s
